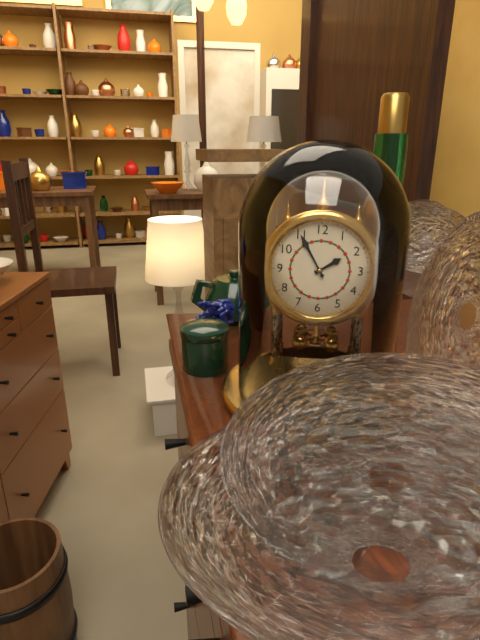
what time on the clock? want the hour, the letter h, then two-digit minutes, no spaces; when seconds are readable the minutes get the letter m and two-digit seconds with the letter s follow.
1h55
